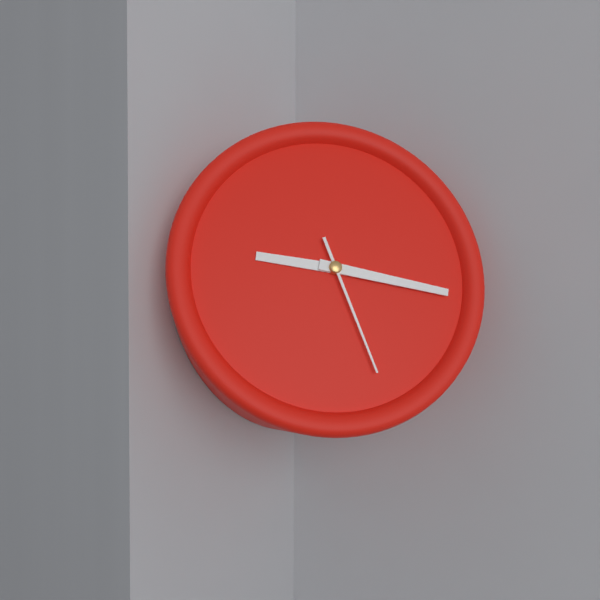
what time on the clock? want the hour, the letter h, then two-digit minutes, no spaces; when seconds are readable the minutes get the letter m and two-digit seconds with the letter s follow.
9h17m27s
